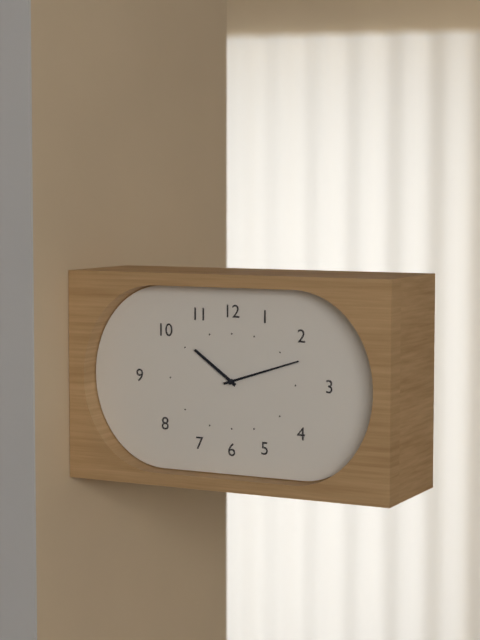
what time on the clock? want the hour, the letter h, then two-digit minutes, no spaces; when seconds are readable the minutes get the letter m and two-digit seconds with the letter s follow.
10h12
